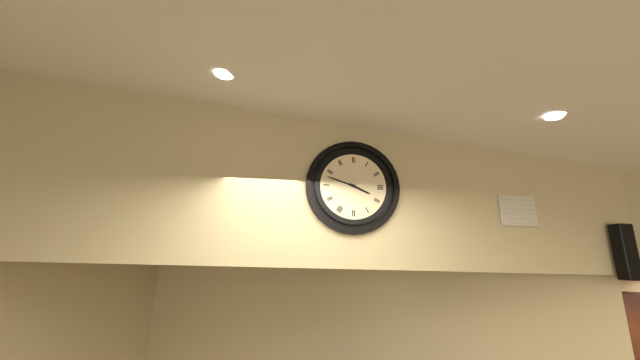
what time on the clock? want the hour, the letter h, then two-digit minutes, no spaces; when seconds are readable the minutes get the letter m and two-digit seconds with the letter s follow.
3h48
